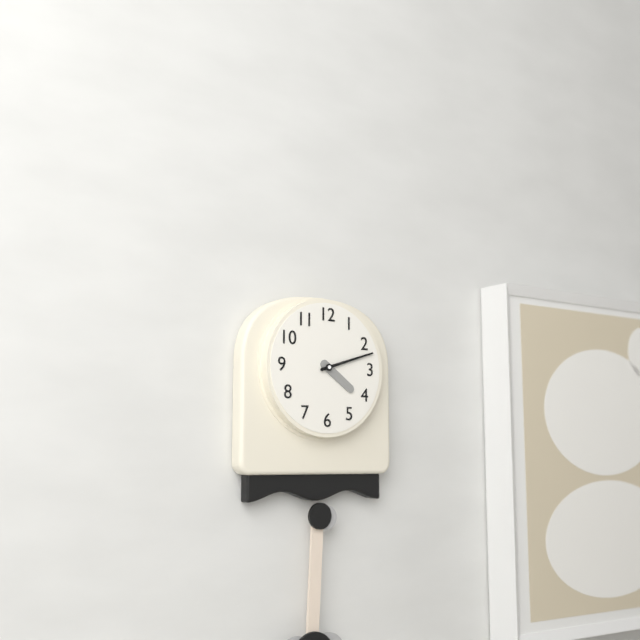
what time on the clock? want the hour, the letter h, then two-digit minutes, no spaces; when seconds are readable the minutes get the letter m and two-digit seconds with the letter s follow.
4h12
